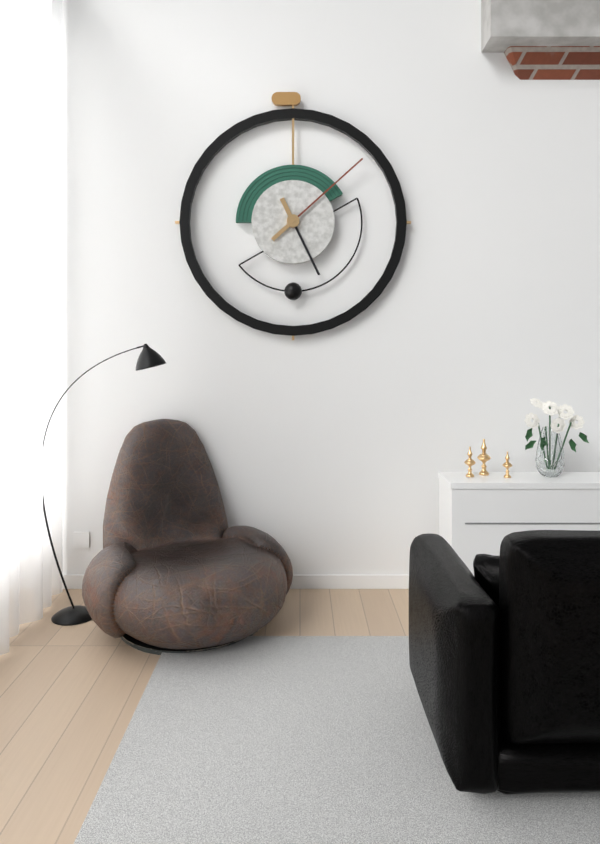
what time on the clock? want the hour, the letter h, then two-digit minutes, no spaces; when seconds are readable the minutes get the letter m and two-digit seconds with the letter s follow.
5h08
